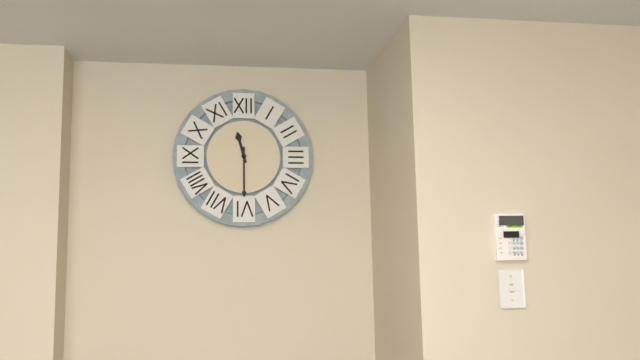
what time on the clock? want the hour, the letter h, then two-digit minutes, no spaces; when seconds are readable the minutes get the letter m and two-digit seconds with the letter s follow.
11h30
